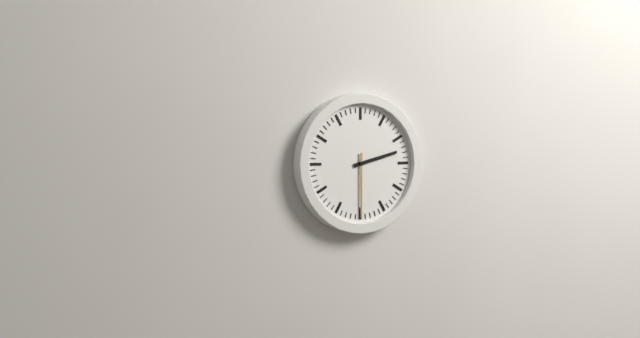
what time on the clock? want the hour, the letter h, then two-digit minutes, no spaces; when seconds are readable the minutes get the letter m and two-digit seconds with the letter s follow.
2h30
